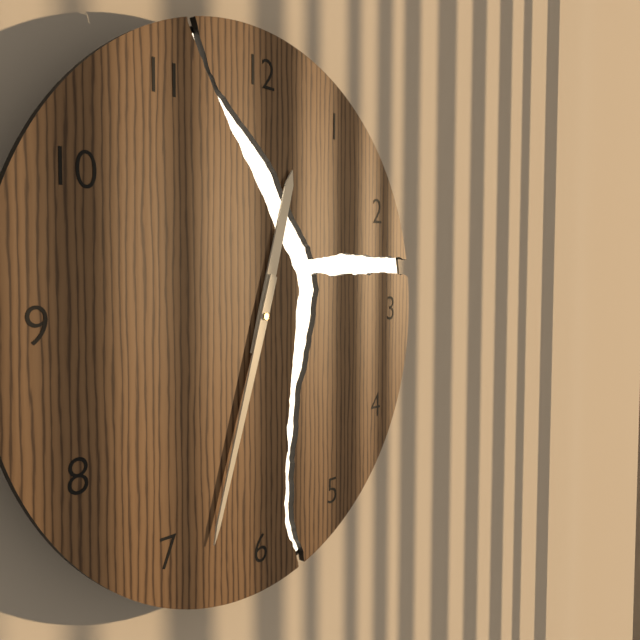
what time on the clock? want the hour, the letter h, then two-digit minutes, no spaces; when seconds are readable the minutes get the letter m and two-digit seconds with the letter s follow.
12h33
